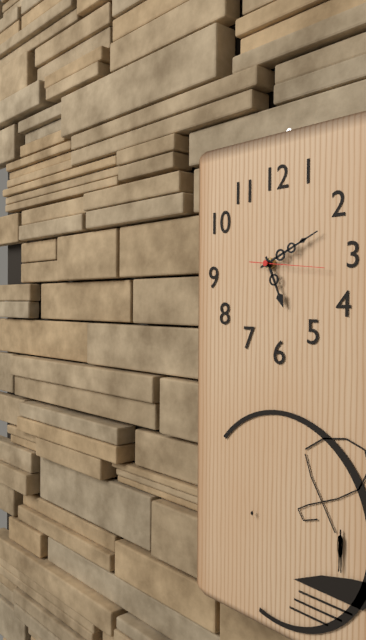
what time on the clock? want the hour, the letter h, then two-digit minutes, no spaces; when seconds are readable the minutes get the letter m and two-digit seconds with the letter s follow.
5h11m16s
